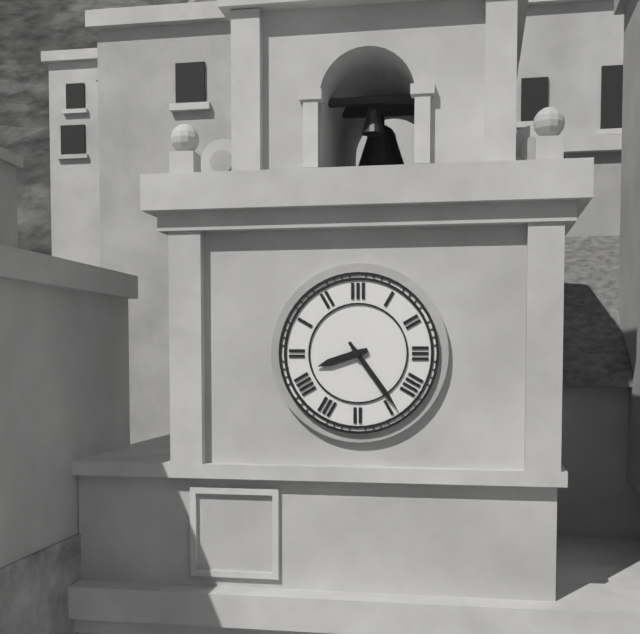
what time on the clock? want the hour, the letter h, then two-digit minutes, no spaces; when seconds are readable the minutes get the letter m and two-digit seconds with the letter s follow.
8h24
